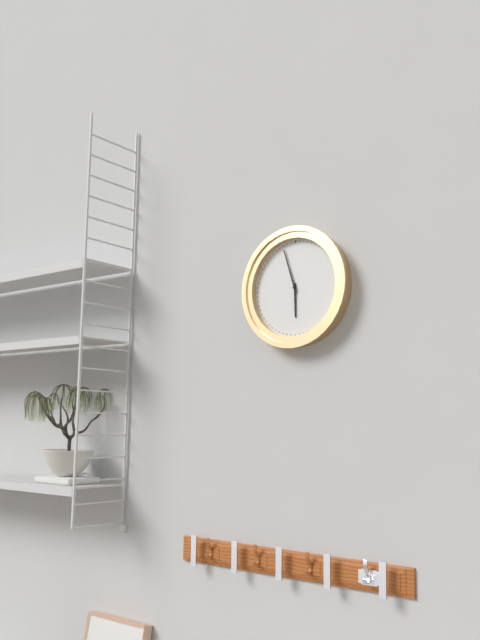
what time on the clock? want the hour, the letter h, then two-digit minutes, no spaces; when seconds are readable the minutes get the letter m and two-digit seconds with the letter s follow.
5h57
